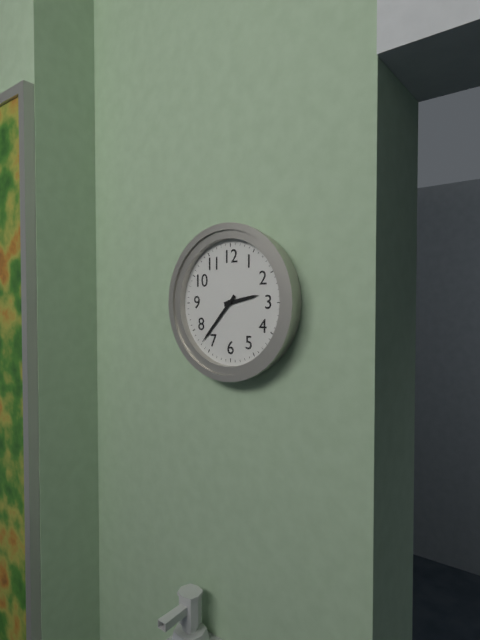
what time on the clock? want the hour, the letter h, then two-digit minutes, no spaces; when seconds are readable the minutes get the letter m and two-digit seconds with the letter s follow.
2h37
